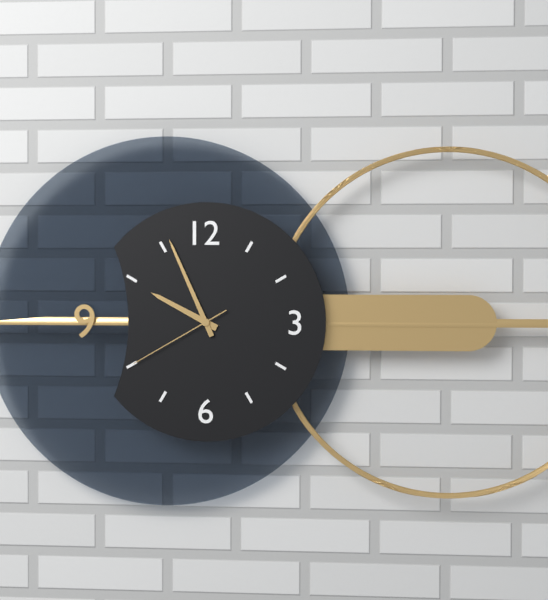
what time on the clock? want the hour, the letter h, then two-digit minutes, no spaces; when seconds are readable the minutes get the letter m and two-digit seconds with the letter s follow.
9h56m40s
